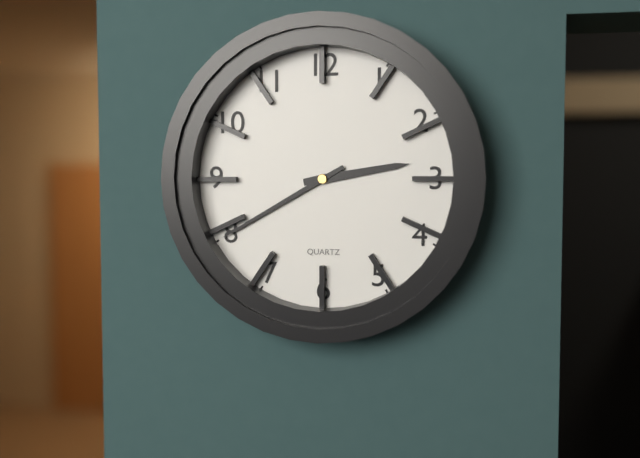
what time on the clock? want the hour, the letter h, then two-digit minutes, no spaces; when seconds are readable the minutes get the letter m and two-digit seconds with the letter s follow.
2h40
